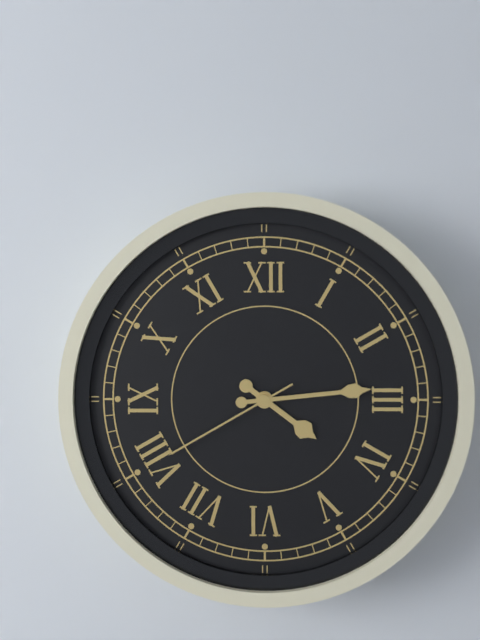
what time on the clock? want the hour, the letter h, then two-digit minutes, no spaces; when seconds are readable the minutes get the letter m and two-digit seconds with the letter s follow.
4h14m40s
